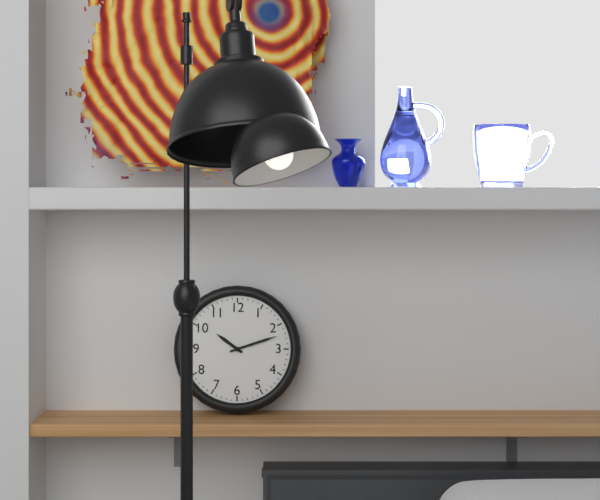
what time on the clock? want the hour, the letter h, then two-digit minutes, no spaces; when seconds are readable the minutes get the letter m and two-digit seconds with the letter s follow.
10h12
